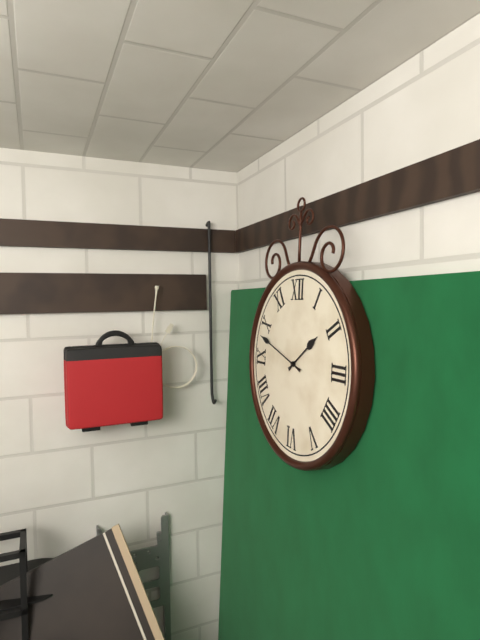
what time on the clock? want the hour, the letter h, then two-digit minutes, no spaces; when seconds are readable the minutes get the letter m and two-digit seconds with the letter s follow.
1h48
